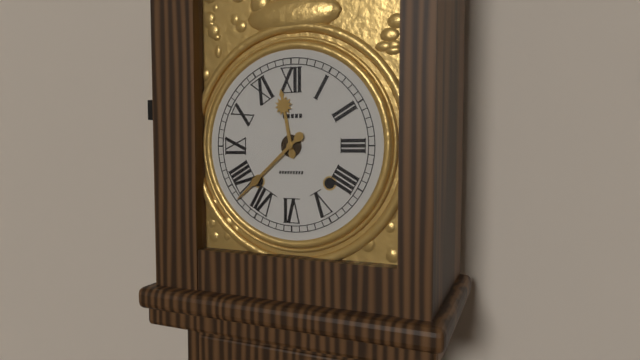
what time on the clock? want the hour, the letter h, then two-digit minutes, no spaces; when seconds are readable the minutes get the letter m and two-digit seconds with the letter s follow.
11h38
